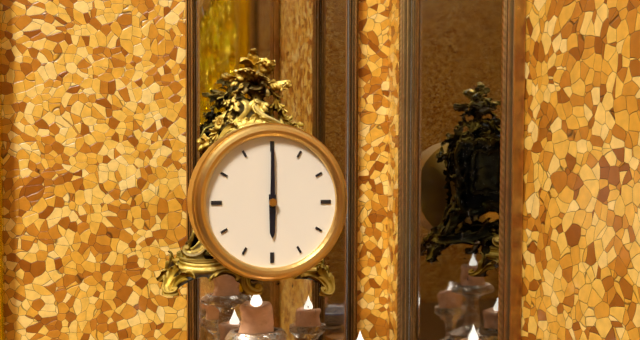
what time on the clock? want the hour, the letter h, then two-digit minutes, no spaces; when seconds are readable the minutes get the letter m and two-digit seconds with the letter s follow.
6h00
